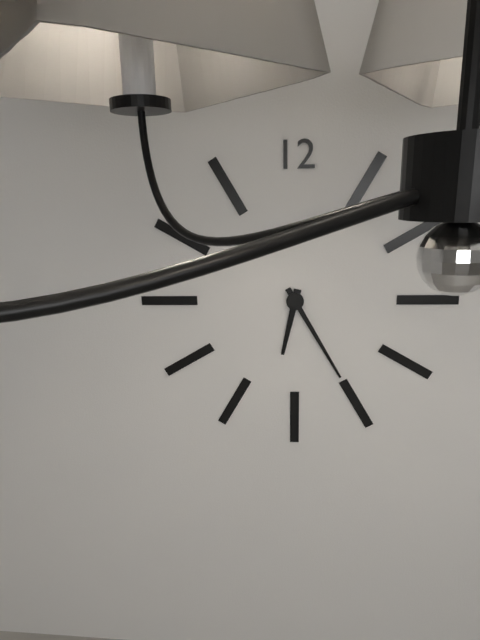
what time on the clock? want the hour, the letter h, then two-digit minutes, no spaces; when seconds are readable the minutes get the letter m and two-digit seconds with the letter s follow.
6h25
